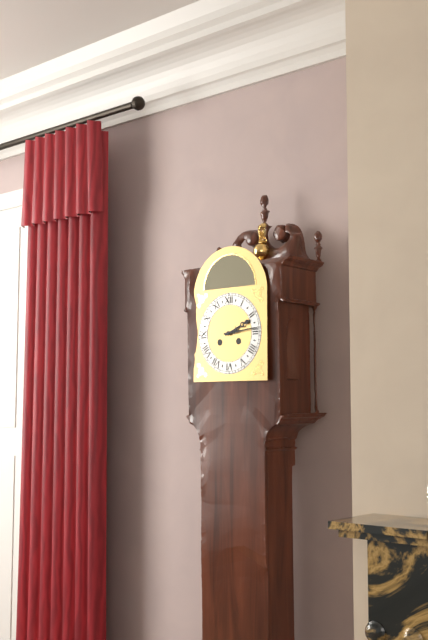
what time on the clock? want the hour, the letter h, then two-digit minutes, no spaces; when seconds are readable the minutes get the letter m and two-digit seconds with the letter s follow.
2h14
